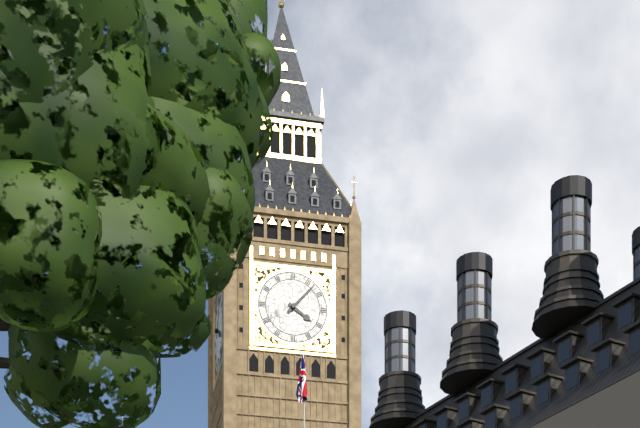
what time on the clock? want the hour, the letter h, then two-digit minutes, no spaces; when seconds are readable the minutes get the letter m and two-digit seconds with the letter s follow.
4h07
